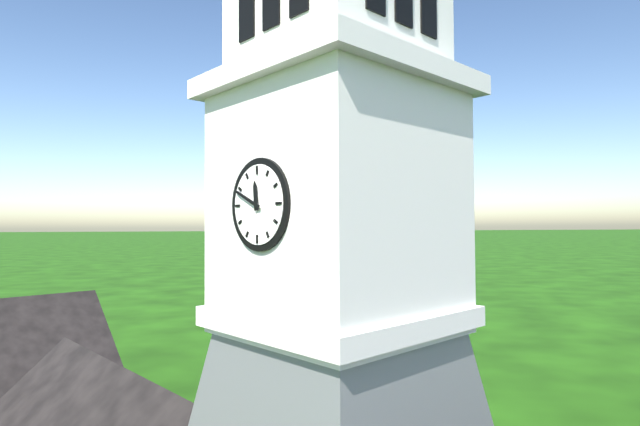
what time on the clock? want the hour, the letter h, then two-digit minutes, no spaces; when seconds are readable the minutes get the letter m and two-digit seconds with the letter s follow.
11h49
